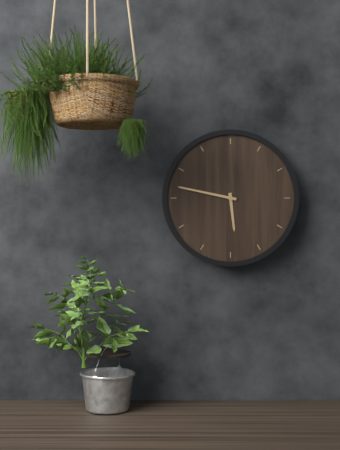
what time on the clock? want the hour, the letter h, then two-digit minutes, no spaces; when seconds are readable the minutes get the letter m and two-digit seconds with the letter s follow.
5h47
